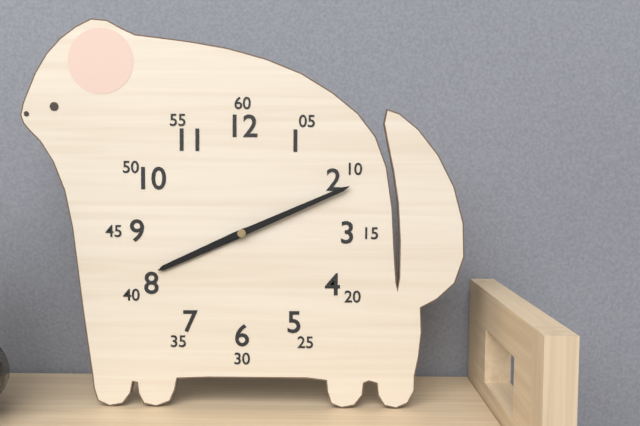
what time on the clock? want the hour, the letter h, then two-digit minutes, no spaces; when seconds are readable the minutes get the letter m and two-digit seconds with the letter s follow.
8h11
